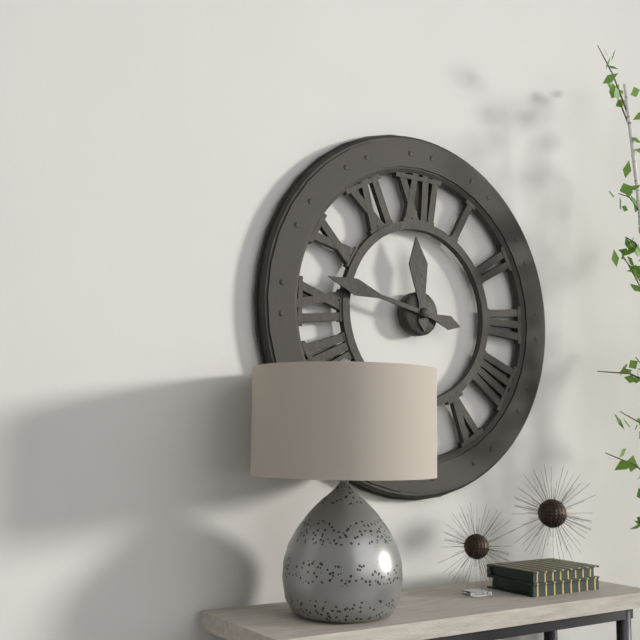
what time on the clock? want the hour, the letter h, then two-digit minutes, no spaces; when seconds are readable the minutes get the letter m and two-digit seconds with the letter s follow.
11h47
